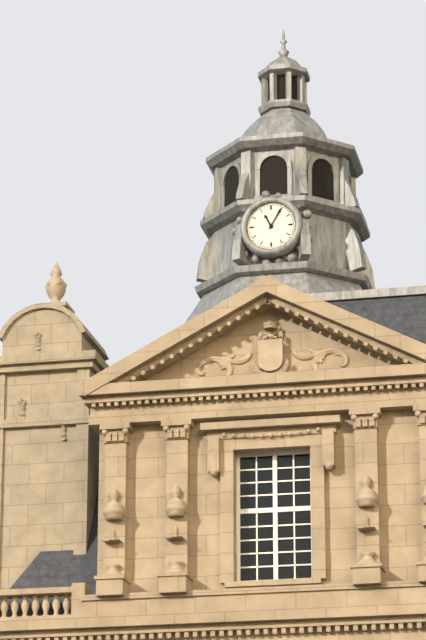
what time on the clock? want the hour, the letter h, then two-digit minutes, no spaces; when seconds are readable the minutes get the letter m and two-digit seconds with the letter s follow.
11h05
